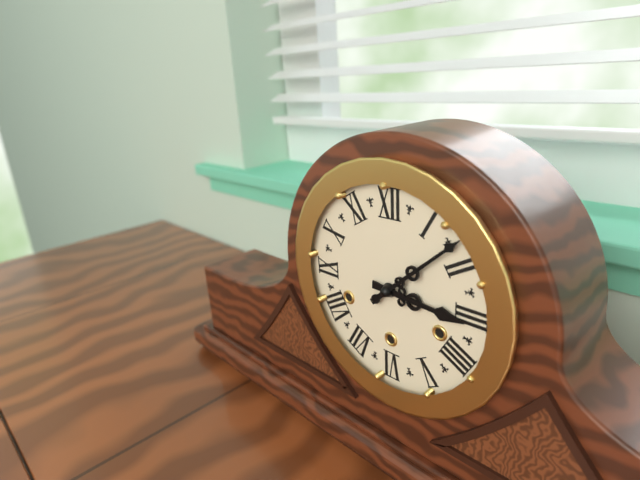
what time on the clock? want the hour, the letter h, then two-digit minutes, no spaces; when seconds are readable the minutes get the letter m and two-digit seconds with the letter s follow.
3h08
